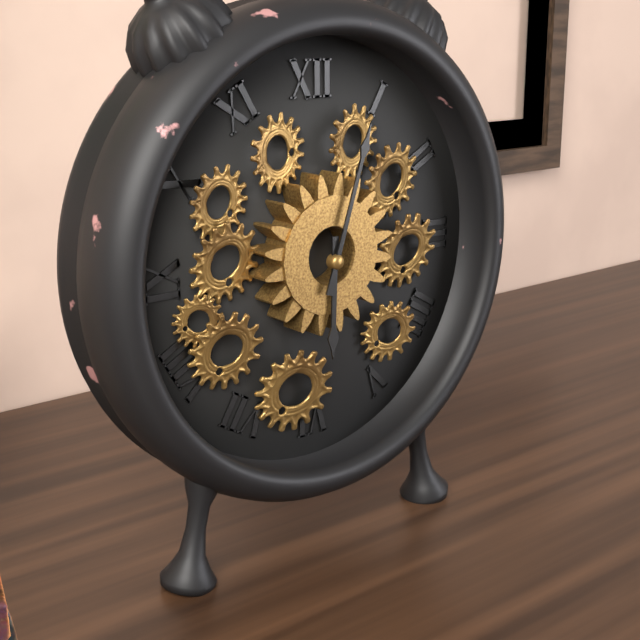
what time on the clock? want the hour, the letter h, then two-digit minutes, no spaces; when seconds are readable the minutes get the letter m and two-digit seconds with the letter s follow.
6h03
